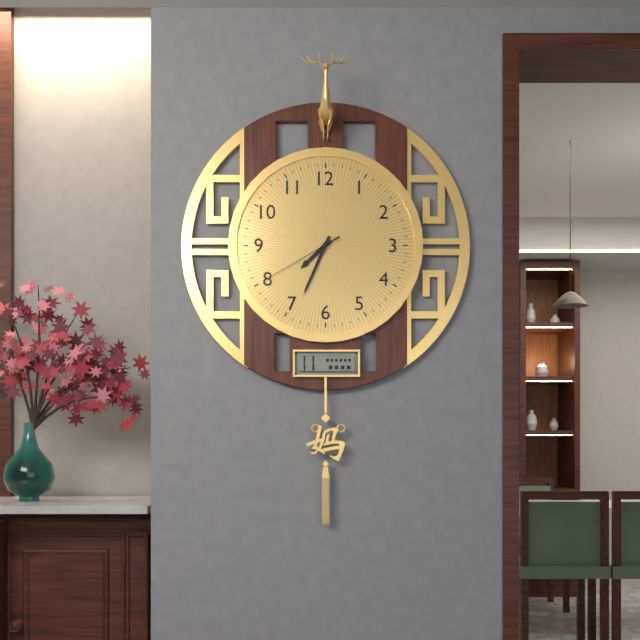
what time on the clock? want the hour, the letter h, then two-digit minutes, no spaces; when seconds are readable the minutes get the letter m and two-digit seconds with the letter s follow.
7h34m40s
